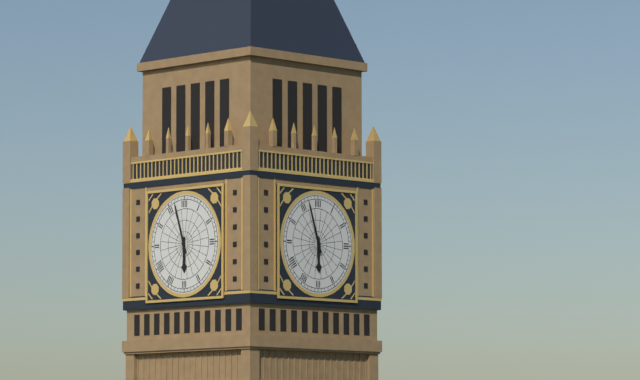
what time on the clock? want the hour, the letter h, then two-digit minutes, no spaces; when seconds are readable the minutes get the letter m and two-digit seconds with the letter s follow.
5h57
